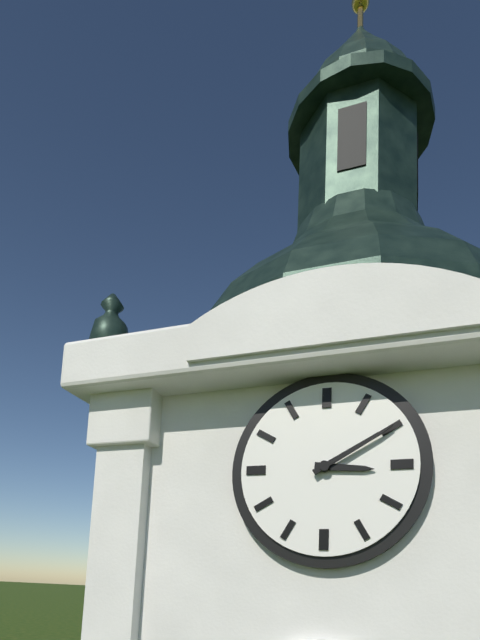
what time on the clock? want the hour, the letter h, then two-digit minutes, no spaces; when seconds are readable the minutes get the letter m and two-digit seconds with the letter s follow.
3h10
